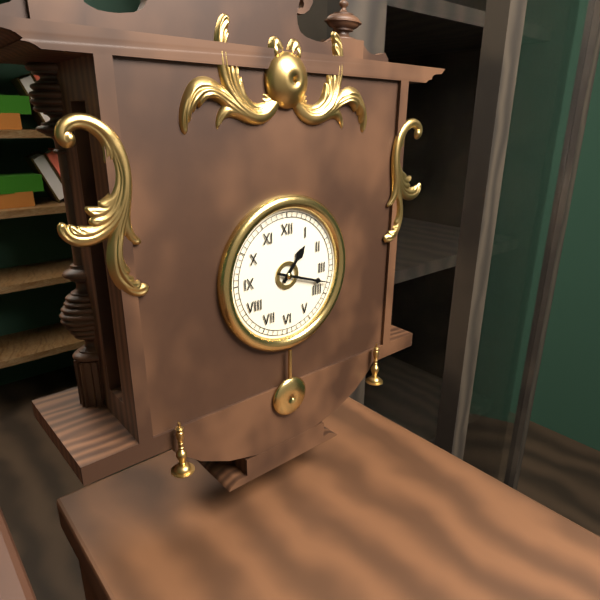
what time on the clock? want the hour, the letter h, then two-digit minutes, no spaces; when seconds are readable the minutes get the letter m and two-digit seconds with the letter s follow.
1h18
